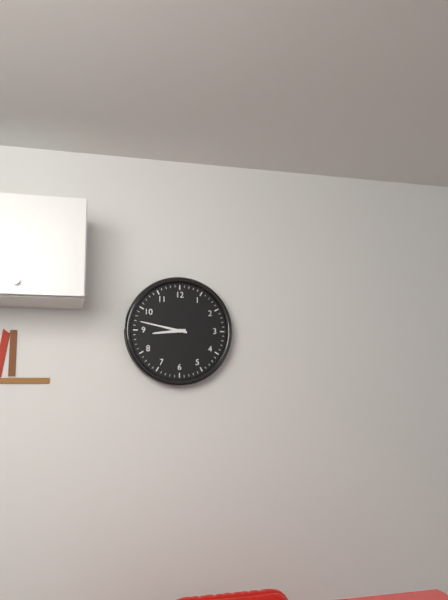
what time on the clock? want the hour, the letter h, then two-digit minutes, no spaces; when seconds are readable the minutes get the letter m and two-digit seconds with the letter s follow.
8h47
